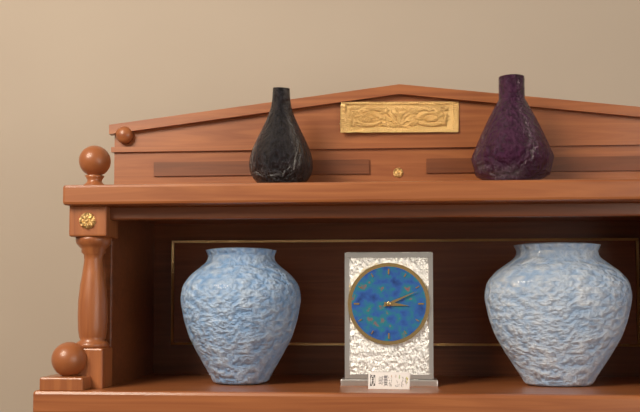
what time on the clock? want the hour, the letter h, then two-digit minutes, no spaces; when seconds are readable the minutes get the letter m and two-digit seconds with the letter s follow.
3h11
